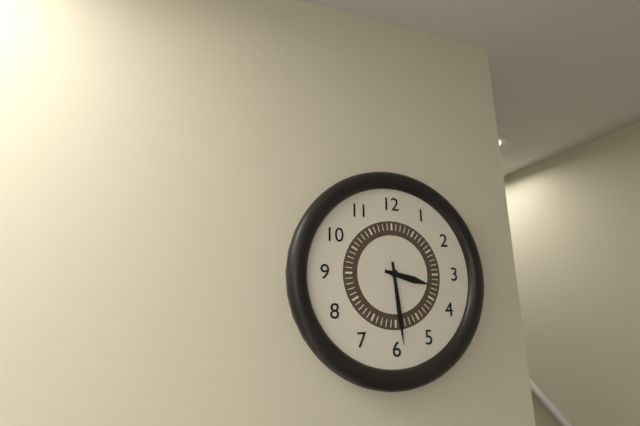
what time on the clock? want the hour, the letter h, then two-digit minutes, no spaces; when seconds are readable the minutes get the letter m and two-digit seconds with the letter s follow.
3h29
